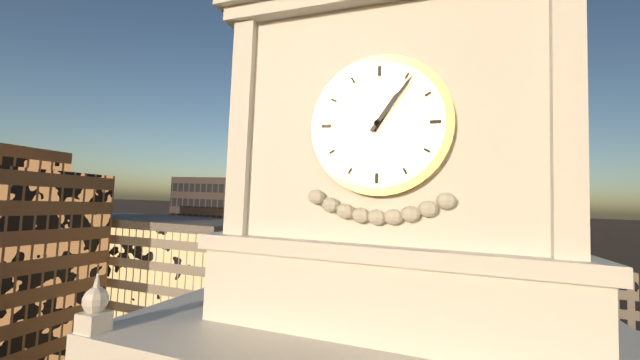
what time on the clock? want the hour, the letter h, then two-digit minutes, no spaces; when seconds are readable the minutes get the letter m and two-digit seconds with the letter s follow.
1h06
